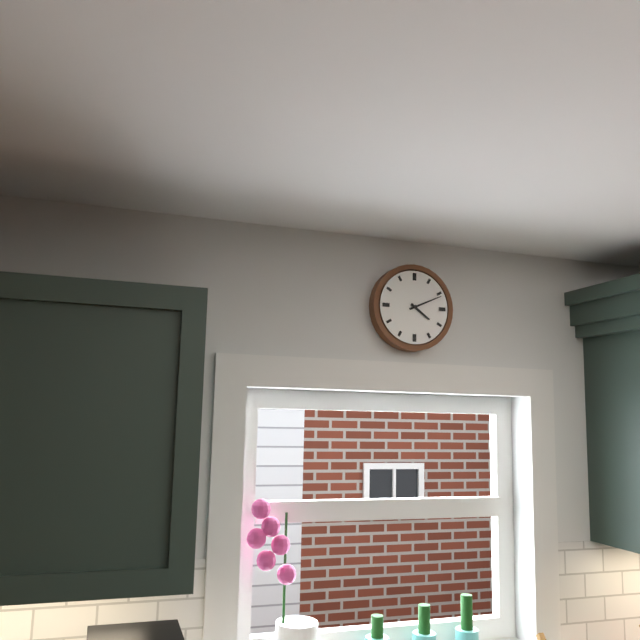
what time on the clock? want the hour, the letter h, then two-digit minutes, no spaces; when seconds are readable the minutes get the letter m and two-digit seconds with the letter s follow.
4h11
